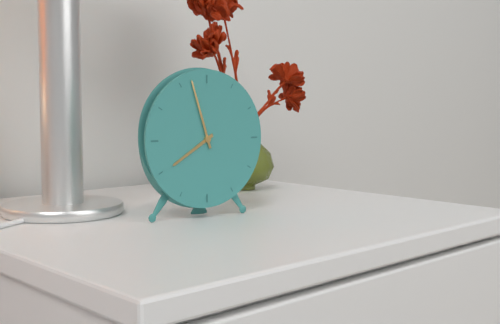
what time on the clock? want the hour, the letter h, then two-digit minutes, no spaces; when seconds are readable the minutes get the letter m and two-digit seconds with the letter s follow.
7h57
